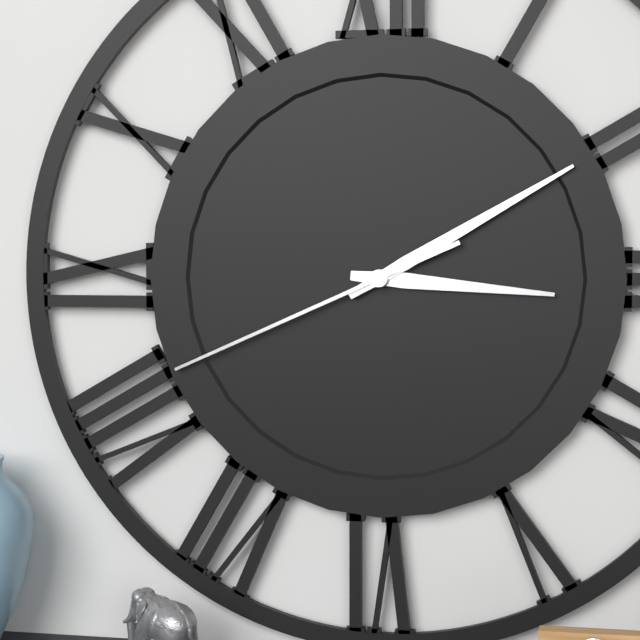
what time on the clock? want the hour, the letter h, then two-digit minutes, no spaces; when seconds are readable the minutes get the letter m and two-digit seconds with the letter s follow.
3h10m41s
